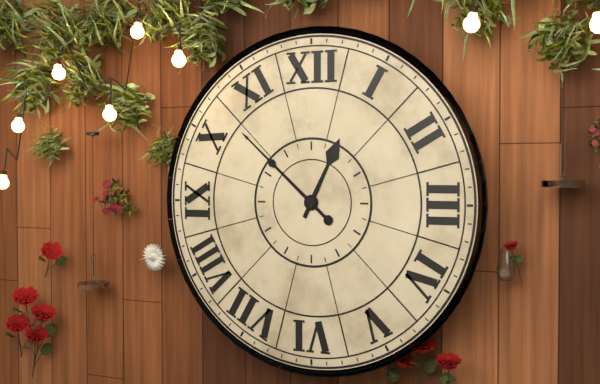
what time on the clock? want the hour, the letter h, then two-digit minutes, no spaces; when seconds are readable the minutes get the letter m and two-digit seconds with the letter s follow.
12h52
